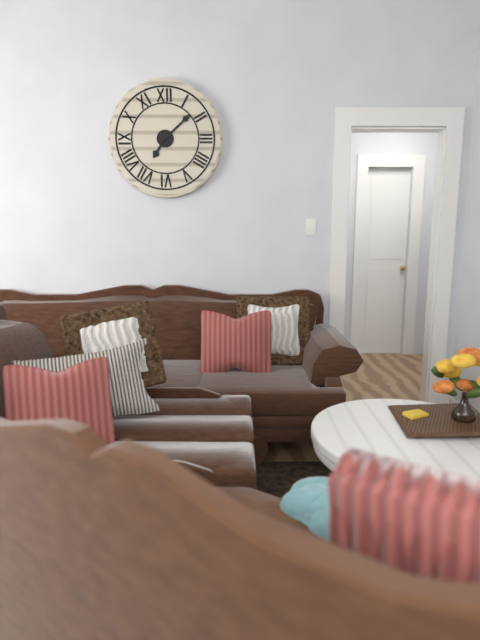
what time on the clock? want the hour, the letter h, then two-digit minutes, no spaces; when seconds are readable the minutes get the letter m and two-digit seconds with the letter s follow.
7h08
